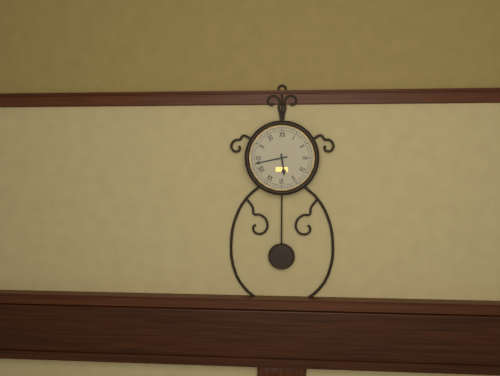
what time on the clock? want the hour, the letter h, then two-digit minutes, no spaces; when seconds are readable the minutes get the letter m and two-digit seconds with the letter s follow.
5h43
